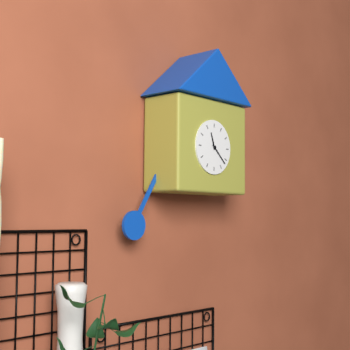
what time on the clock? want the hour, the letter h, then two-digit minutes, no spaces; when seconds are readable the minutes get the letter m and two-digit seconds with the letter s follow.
11h22
